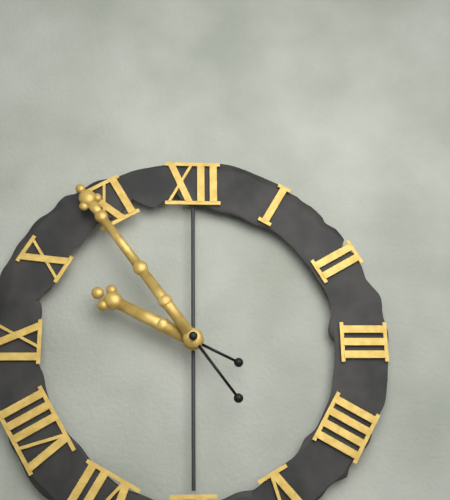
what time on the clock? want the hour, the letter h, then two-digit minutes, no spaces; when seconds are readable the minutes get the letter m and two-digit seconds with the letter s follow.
9h54
